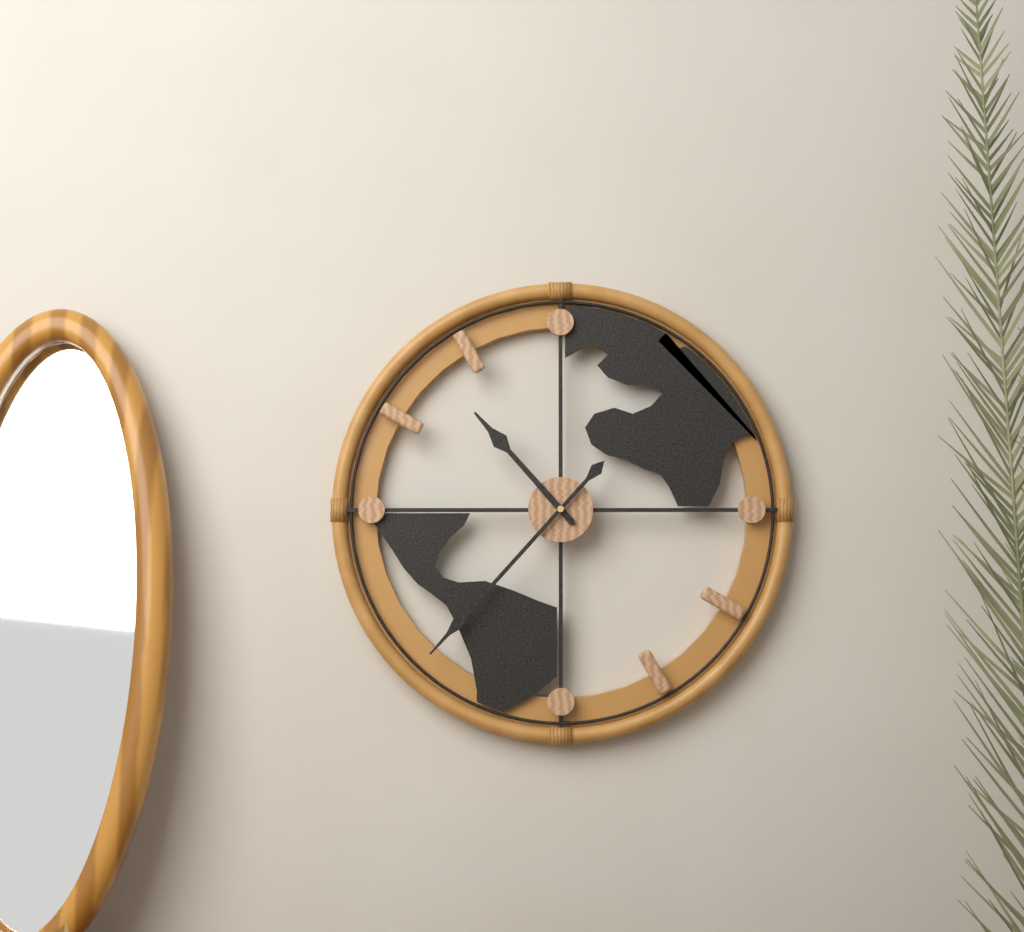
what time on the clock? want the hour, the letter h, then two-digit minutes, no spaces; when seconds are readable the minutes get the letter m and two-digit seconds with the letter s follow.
10h37
